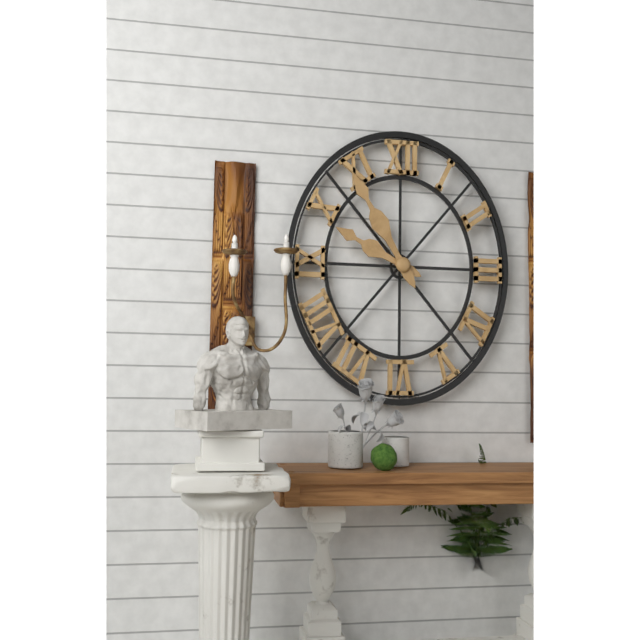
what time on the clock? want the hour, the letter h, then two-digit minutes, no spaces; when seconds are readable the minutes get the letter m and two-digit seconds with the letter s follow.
9h55
